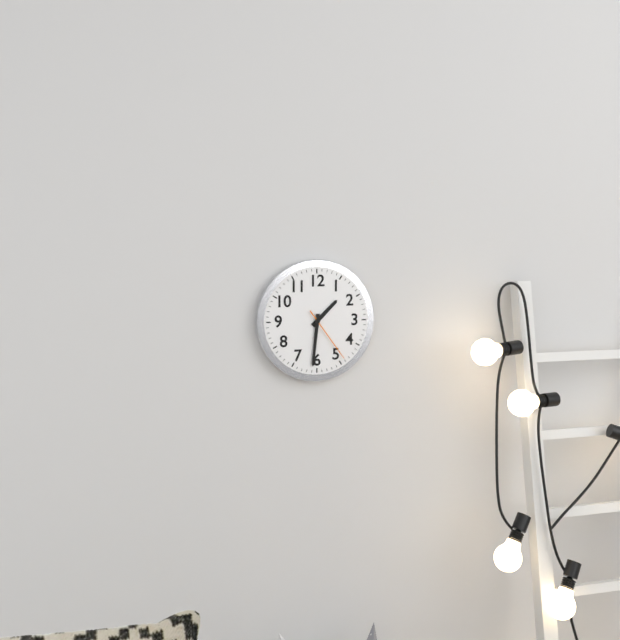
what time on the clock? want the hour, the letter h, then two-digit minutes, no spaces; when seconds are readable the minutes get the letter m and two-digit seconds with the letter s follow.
1h31m24s
